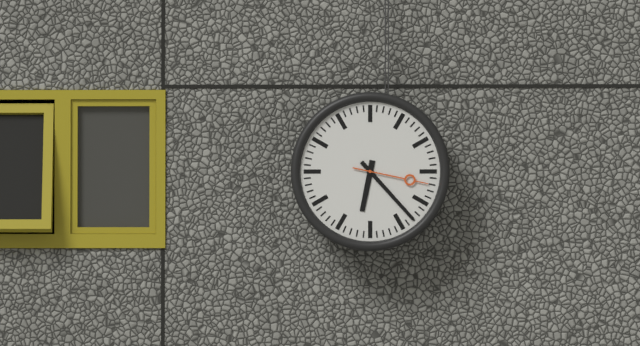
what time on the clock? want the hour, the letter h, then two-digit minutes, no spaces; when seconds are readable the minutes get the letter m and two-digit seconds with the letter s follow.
6h23m17s
